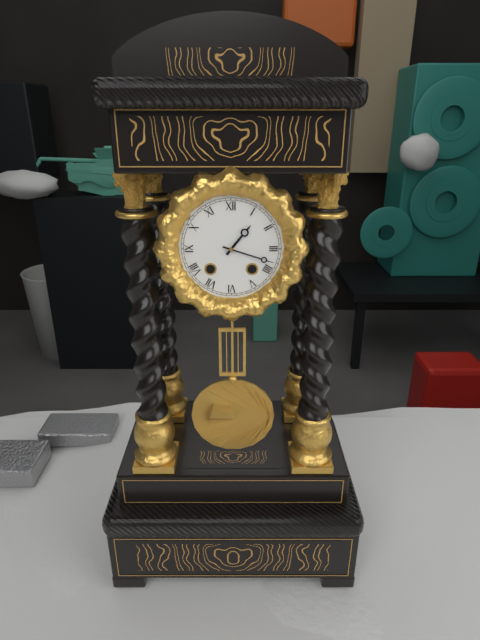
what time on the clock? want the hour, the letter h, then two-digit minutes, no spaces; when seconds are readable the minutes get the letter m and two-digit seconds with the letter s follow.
1h18
